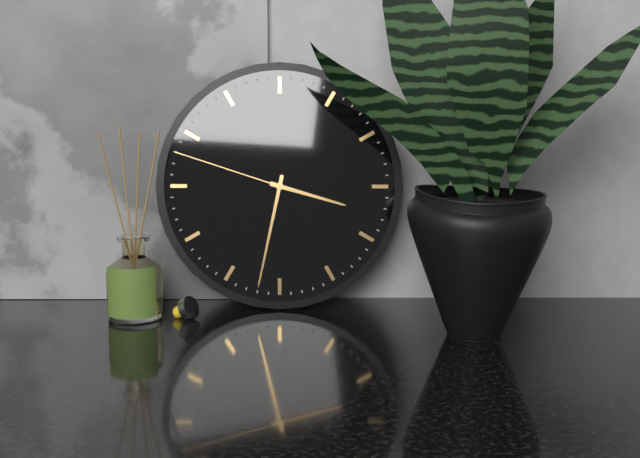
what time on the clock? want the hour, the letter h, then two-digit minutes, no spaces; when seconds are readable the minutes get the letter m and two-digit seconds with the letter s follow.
3h32m48s
